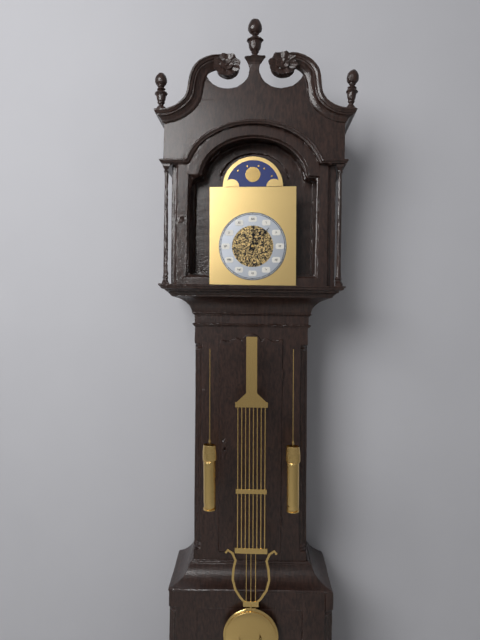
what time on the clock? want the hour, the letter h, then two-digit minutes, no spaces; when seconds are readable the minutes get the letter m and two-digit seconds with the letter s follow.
12h07
